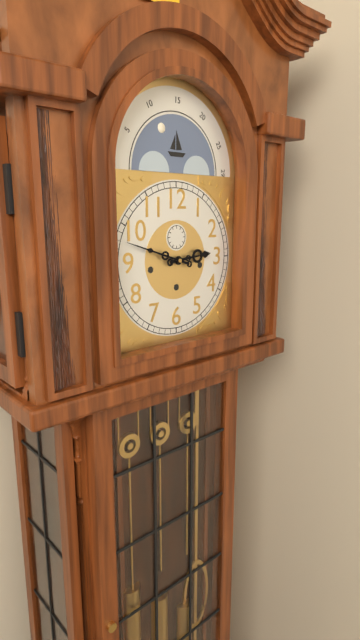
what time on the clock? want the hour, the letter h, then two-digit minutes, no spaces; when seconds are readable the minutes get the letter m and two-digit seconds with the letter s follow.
2h48
